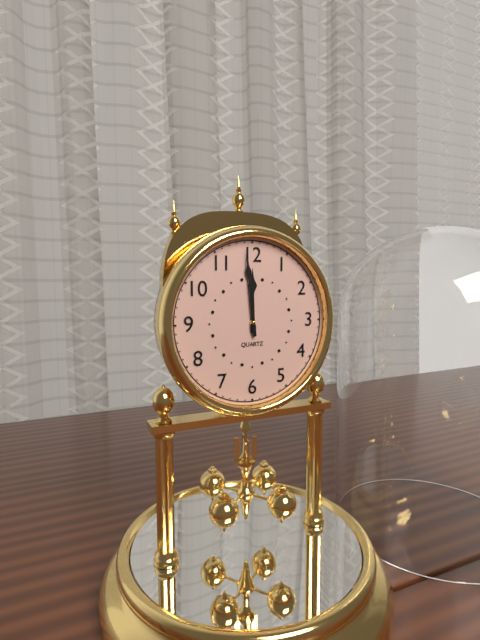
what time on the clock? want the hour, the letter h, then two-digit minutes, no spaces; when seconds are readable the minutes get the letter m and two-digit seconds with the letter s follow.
11h59
